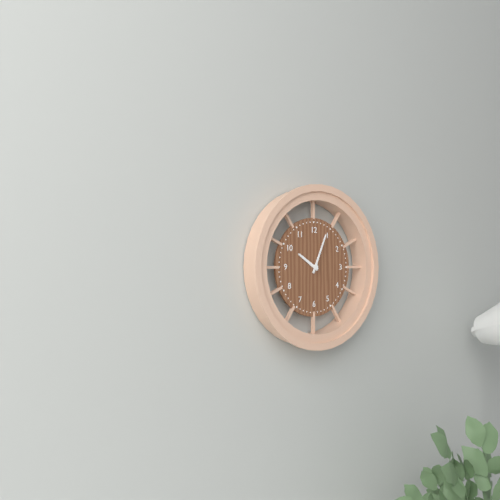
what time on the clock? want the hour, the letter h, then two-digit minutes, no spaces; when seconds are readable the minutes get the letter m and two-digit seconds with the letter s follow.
10h04
